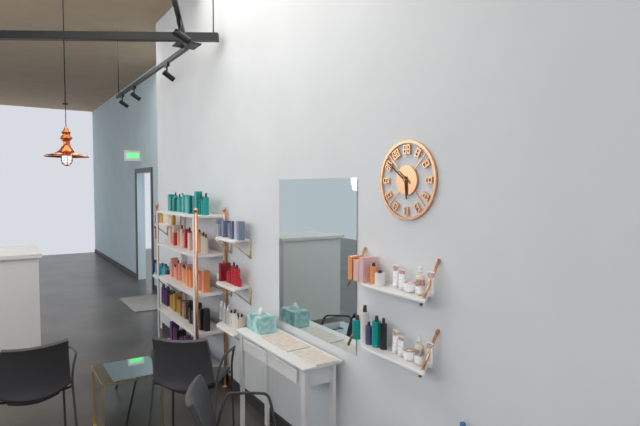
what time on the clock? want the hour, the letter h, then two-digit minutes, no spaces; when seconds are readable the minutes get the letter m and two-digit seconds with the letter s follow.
5h51
